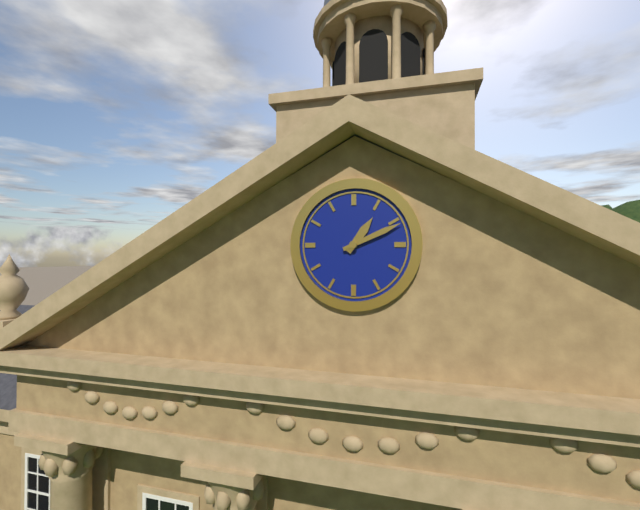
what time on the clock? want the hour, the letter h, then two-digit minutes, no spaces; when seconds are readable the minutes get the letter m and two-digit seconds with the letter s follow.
1h11
